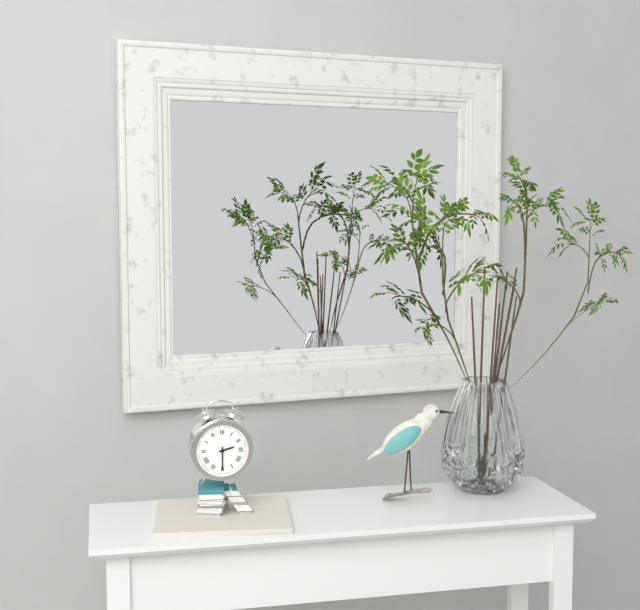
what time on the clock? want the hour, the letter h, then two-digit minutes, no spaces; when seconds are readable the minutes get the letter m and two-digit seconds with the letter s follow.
2h30
